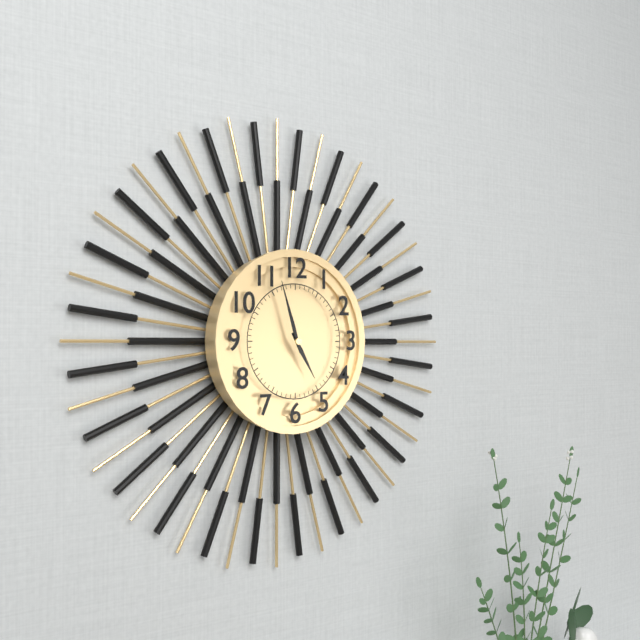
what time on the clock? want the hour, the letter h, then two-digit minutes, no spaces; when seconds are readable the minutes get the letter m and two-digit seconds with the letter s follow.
4h57
